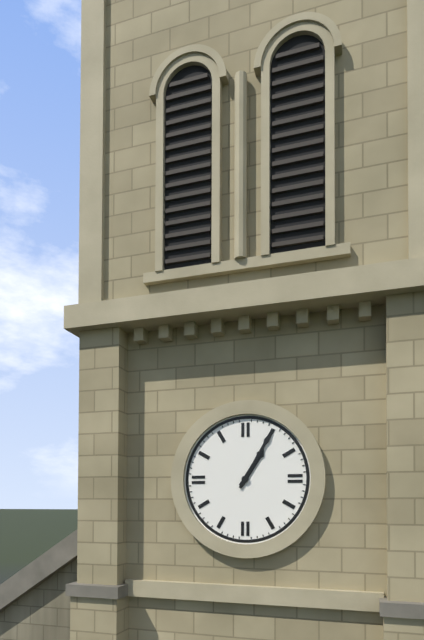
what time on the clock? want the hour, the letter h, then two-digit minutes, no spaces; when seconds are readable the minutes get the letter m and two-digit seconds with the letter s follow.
1h05
